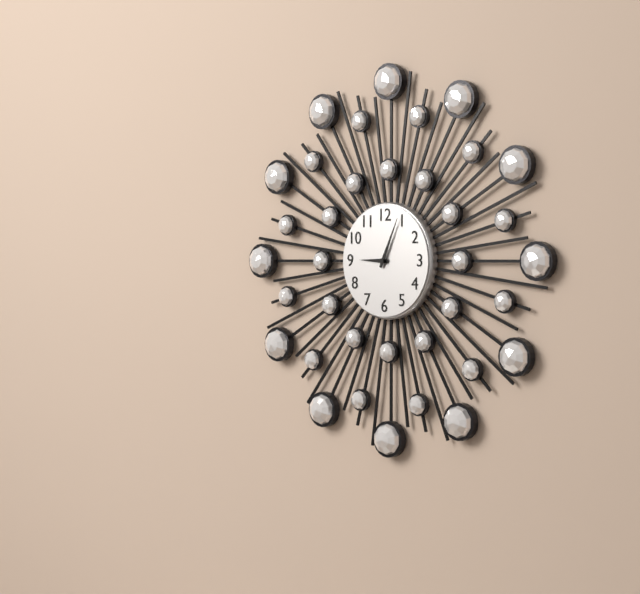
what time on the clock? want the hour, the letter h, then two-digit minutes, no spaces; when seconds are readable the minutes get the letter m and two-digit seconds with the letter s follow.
9h04
